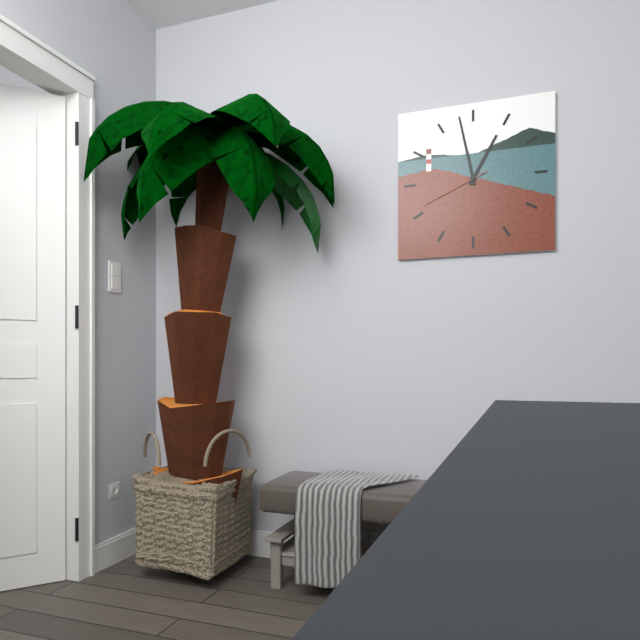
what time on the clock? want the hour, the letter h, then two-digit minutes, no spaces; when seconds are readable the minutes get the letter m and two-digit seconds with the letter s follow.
12h58m41s
